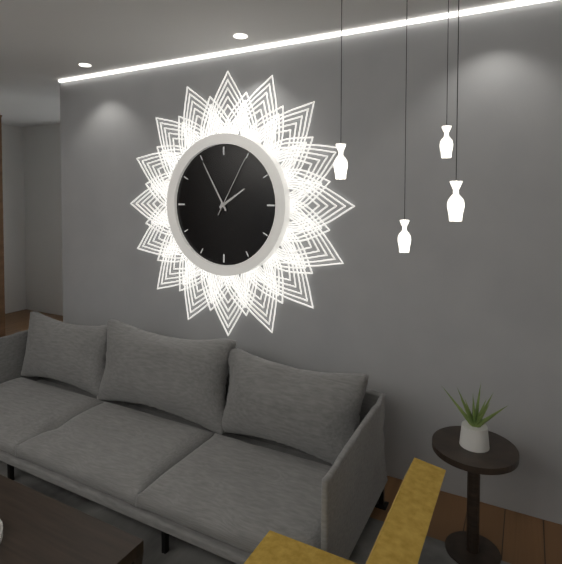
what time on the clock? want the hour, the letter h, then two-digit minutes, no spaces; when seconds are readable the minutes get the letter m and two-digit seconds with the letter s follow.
1h55m05s
